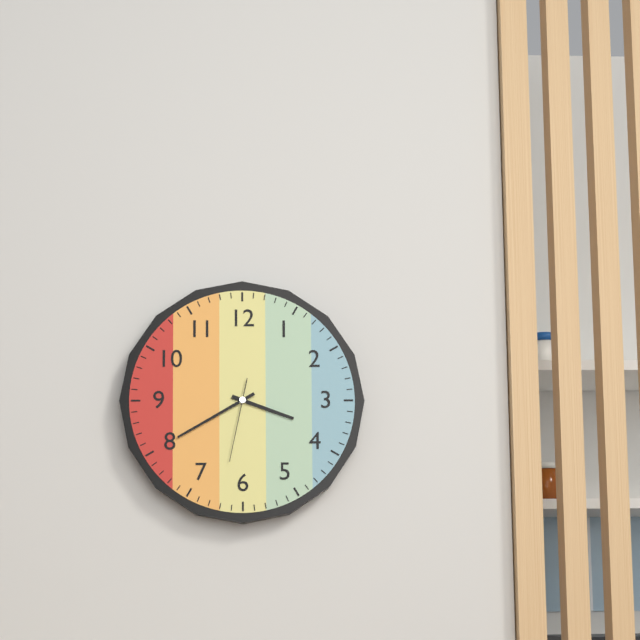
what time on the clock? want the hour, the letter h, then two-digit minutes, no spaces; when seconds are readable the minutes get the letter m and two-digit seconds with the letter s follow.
3h40m32s
